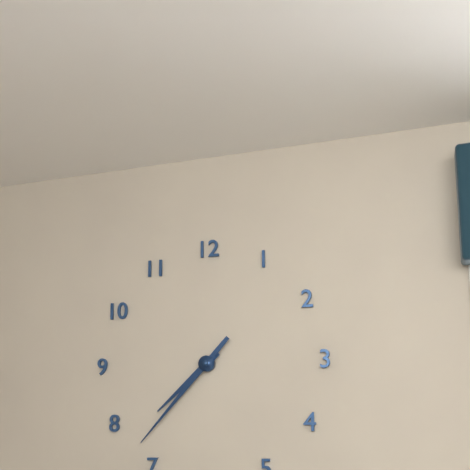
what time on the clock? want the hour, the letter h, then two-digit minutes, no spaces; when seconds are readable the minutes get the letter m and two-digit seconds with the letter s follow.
7h37
